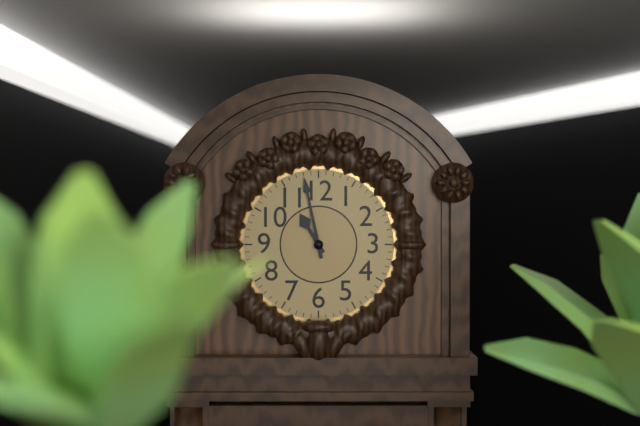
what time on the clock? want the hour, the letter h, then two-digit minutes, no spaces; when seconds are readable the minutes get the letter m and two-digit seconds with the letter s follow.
10h58
